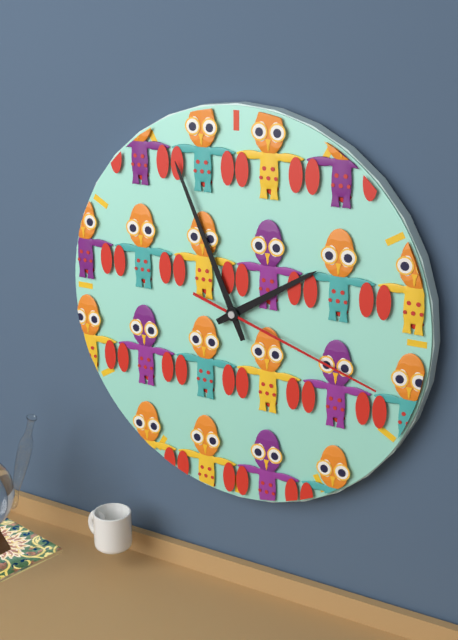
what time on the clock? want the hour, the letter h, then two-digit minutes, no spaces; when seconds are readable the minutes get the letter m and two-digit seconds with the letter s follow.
1h56m18s
